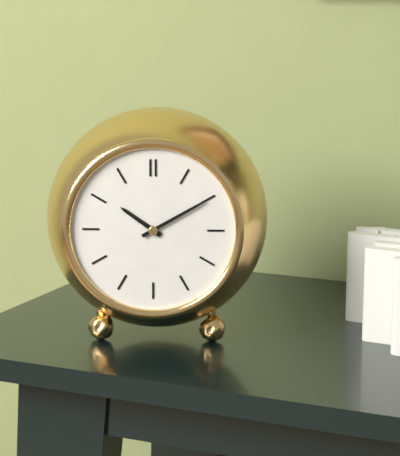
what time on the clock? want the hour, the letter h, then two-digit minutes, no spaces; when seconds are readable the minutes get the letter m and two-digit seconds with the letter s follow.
10h10
